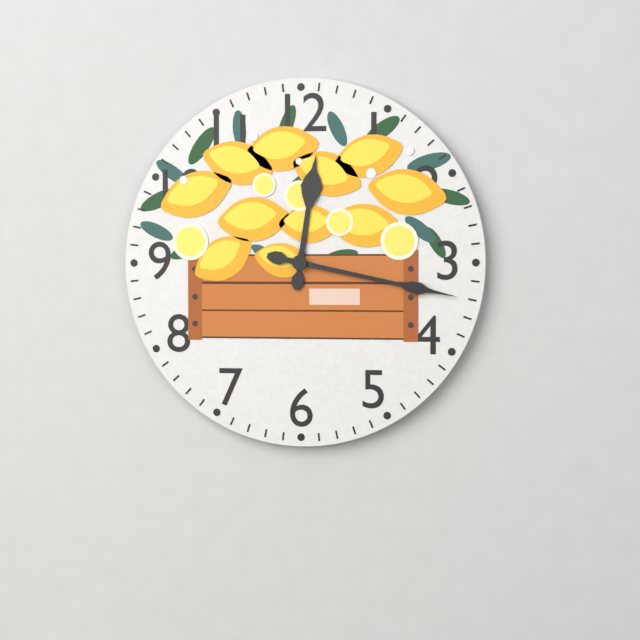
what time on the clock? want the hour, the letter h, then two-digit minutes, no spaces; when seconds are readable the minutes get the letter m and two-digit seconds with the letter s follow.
12h17
